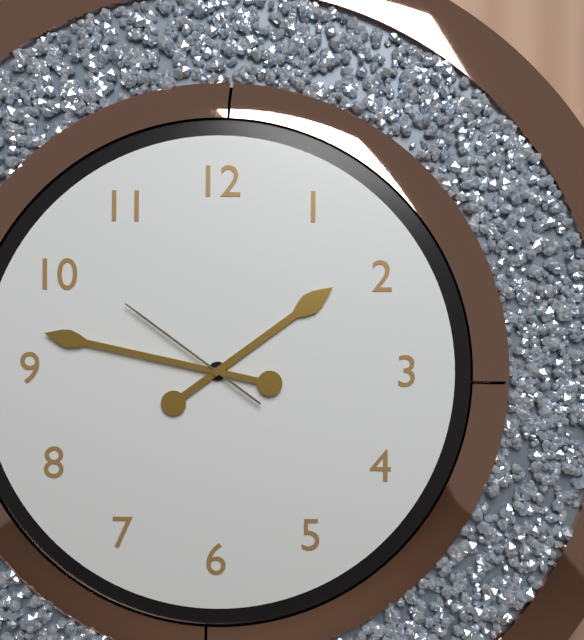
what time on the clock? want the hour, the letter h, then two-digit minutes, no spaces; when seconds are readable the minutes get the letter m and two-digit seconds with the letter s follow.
1h47m51s
